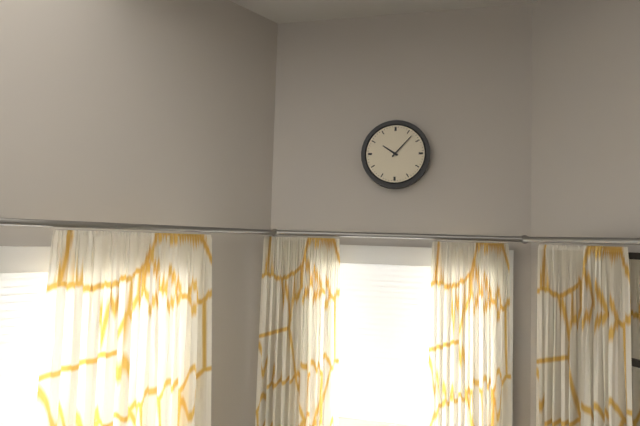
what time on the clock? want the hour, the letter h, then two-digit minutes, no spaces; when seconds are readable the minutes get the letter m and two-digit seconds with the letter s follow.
10h07
